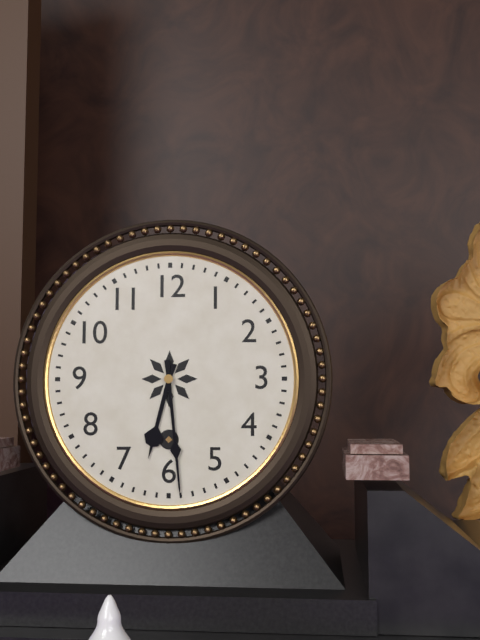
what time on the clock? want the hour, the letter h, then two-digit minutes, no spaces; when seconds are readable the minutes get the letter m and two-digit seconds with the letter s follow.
6h29
